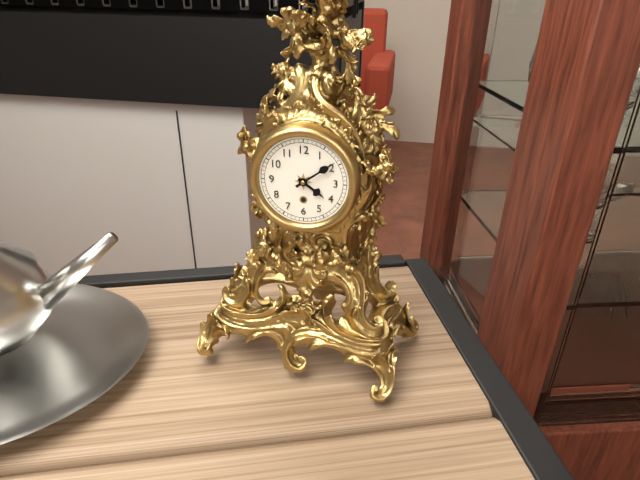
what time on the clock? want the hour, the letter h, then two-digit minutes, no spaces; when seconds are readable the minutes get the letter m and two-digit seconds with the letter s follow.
4h09
